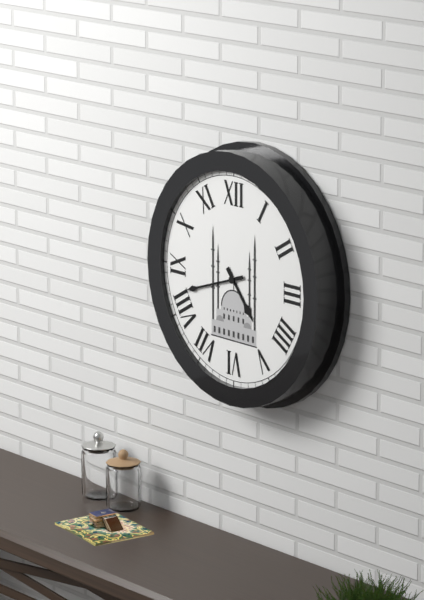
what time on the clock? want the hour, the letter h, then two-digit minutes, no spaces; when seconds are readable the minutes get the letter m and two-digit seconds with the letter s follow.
4h42
